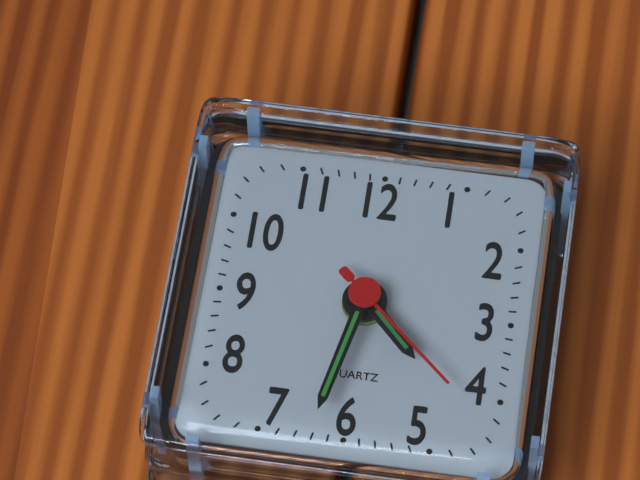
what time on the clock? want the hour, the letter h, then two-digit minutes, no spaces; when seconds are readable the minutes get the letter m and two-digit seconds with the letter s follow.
4h32m22s
